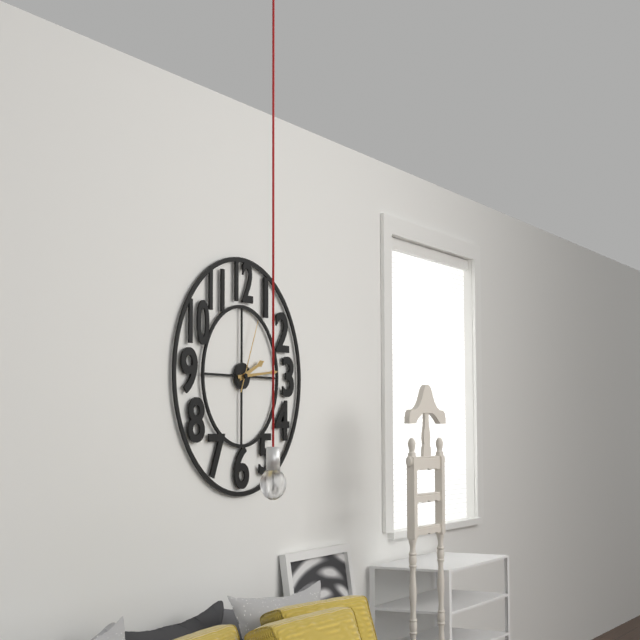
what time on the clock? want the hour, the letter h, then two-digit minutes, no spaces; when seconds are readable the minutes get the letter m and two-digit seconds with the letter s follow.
2h14m04s
